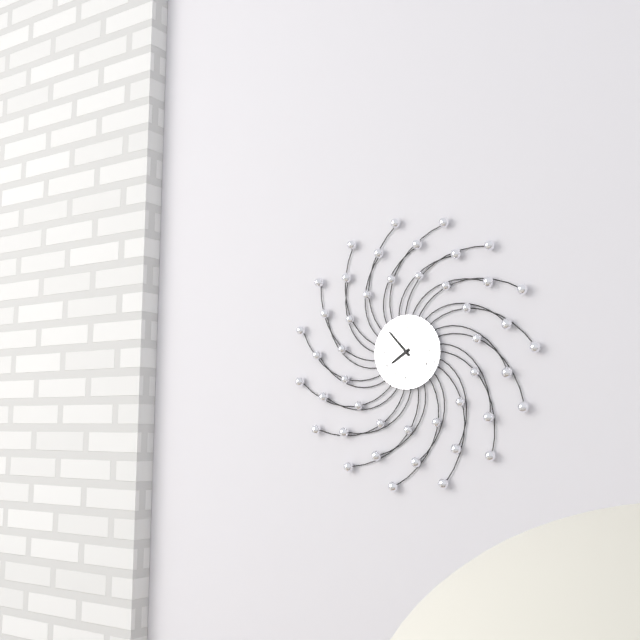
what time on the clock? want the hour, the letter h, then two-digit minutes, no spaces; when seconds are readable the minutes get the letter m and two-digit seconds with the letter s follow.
7h53
